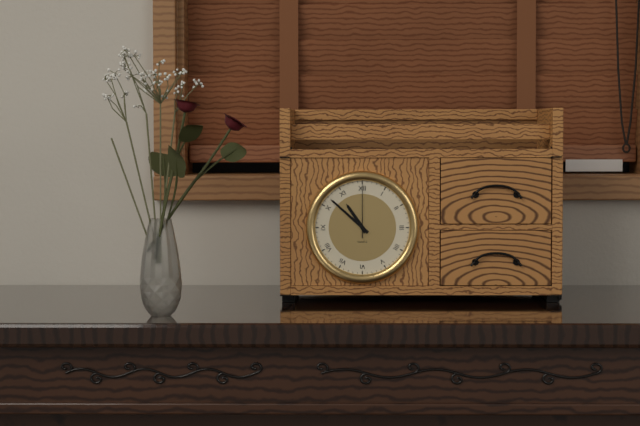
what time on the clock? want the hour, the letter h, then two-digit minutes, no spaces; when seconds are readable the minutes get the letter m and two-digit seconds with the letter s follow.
10h52m00s
